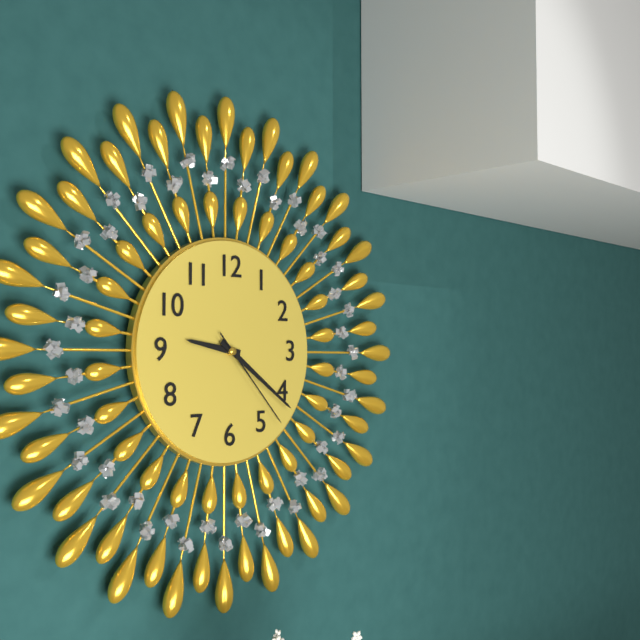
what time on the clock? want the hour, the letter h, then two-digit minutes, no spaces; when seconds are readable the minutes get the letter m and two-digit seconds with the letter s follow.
9h21m23s
